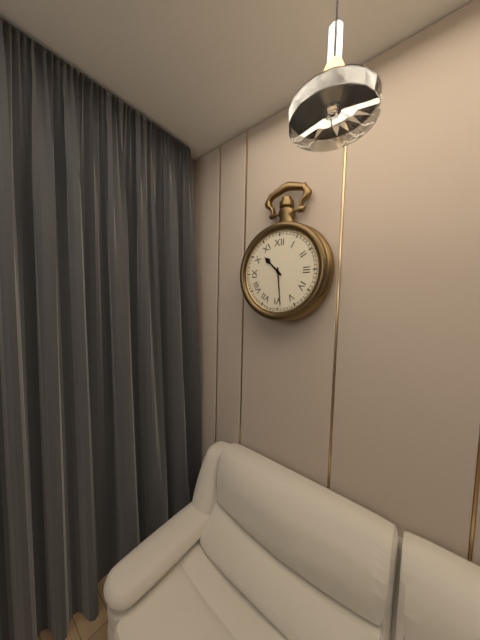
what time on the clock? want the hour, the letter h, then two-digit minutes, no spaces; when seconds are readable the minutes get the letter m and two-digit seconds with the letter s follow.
10h29
